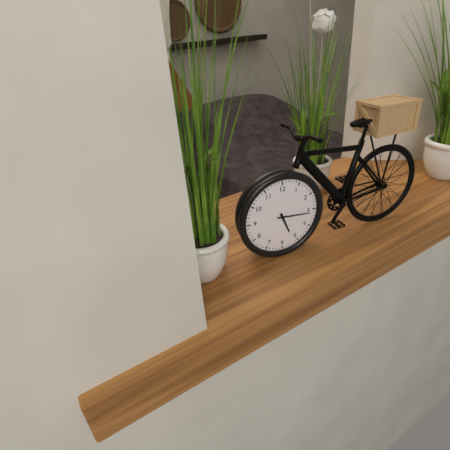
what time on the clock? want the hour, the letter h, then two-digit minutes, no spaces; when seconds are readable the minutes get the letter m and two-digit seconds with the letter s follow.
5h16
